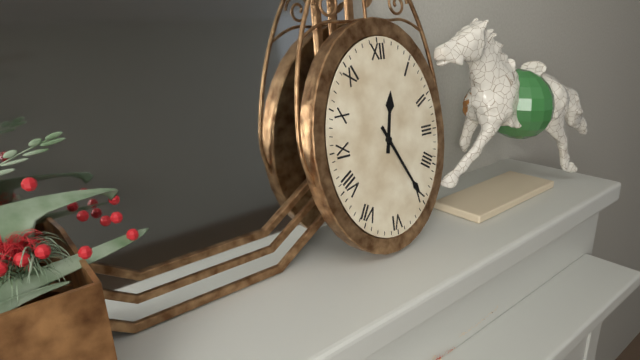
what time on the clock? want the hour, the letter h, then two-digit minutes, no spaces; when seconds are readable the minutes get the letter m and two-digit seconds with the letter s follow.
12h25
